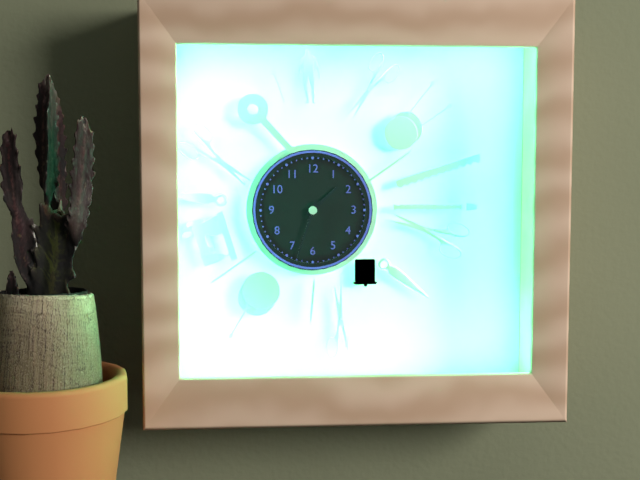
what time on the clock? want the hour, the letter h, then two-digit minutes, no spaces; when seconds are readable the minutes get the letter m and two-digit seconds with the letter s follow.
1h33
